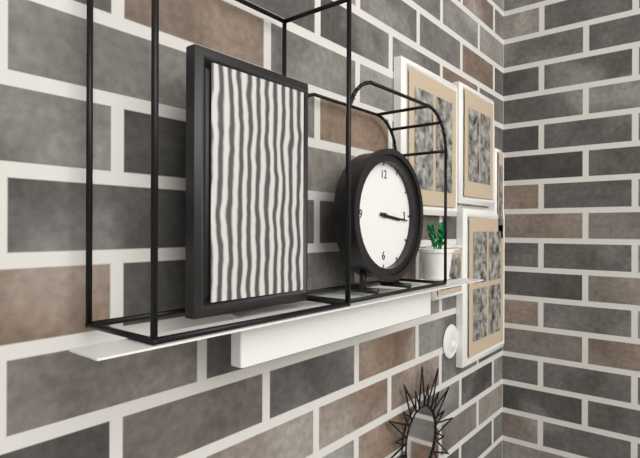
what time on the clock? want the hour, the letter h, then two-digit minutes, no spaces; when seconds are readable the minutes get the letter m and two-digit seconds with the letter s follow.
3h16
